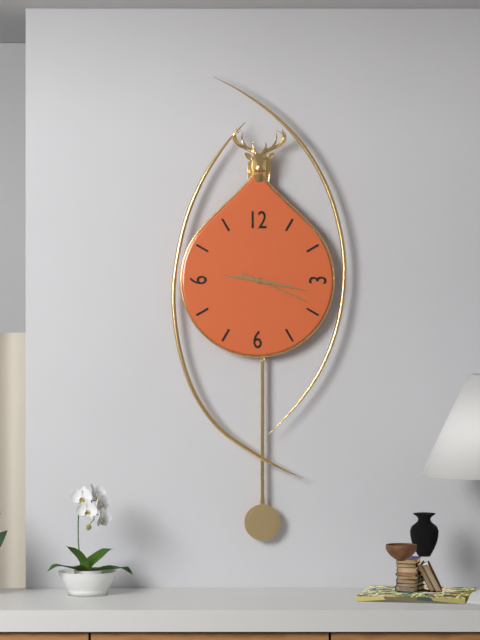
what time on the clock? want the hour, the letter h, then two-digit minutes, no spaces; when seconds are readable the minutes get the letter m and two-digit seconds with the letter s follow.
9h17m19s
